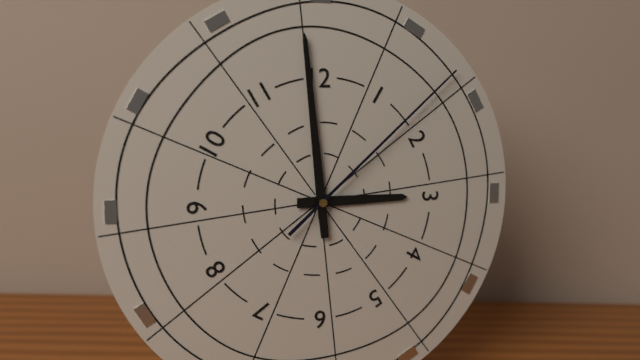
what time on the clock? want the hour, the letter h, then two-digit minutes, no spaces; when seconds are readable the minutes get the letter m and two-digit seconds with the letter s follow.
2h59m08s
